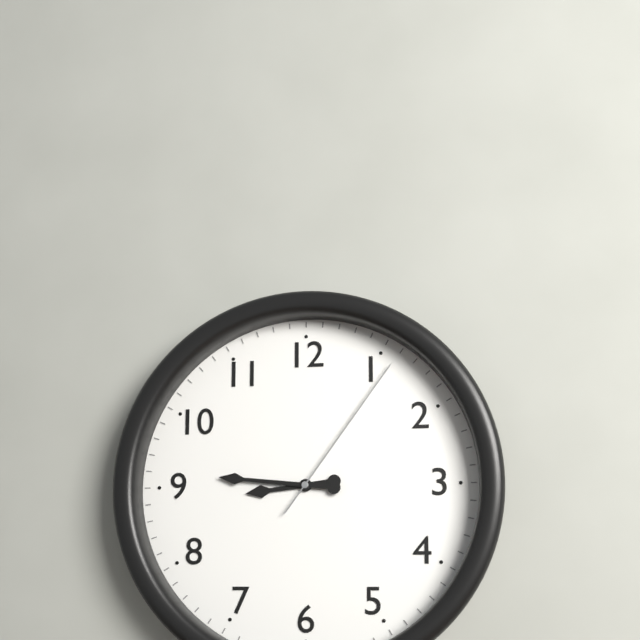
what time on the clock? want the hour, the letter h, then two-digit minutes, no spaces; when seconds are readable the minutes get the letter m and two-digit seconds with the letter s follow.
8h46m06s
